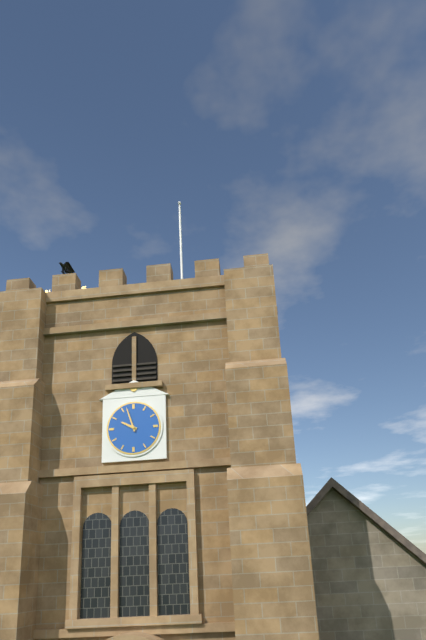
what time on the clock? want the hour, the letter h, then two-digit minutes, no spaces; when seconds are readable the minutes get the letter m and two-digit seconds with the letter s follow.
9h57
